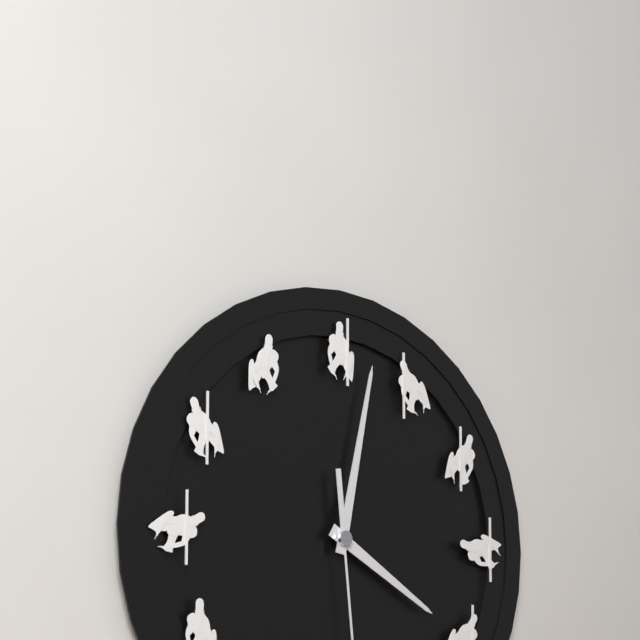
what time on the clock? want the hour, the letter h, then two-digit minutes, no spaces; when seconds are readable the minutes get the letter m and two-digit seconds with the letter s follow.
4h02
